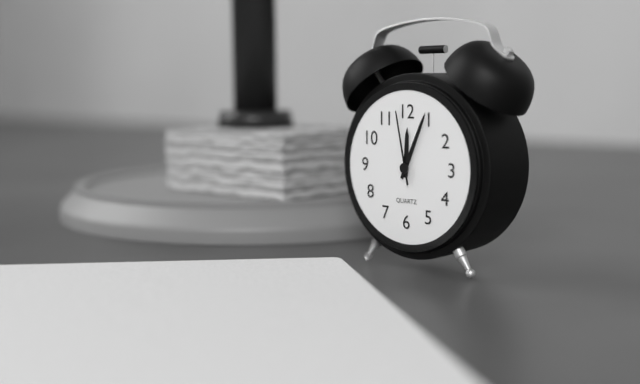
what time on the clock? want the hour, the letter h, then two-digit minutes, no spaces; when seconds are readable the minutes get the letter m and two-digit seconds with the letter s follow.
12h04m58s
